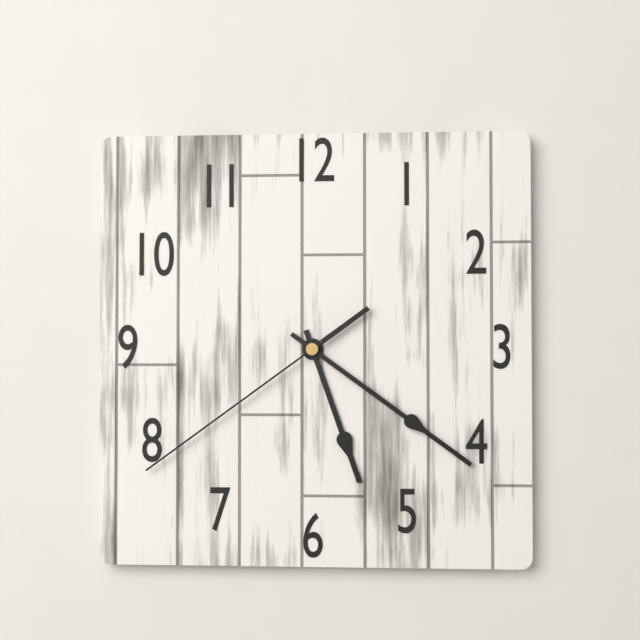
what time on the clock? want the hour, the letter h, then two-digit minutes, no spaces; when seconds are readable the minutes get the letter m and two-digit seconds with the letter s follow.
5h21m39s
